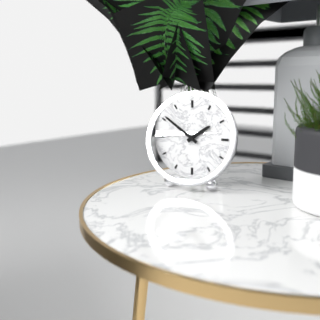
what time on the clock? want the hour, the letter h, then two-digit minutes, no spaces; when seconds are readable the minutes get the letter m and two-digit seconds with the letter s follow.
1h51
